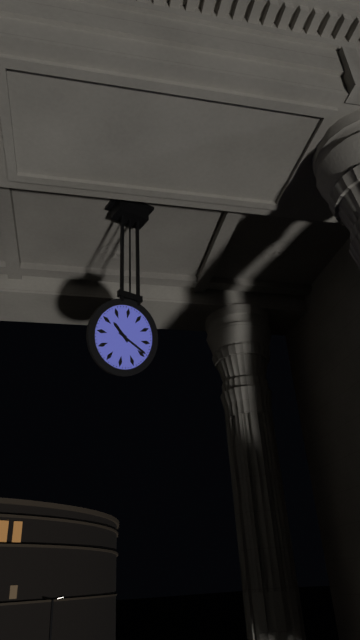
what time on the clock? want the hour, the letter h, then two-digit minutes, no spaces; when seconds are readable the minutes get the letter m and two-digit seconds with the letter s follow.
10h19
